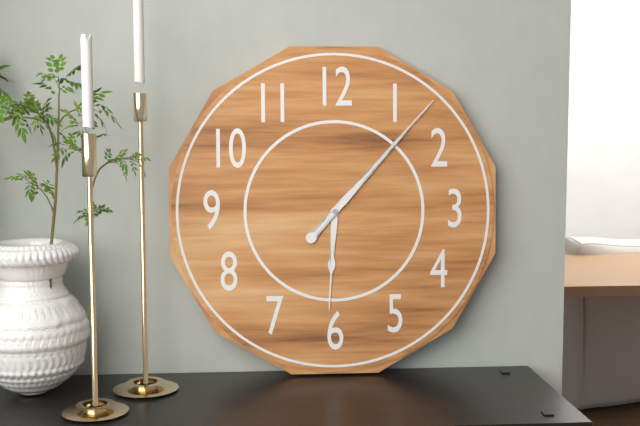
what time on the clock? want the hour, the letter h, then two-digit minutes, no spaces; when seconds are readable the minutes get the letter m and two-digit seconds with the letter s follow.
6h07
